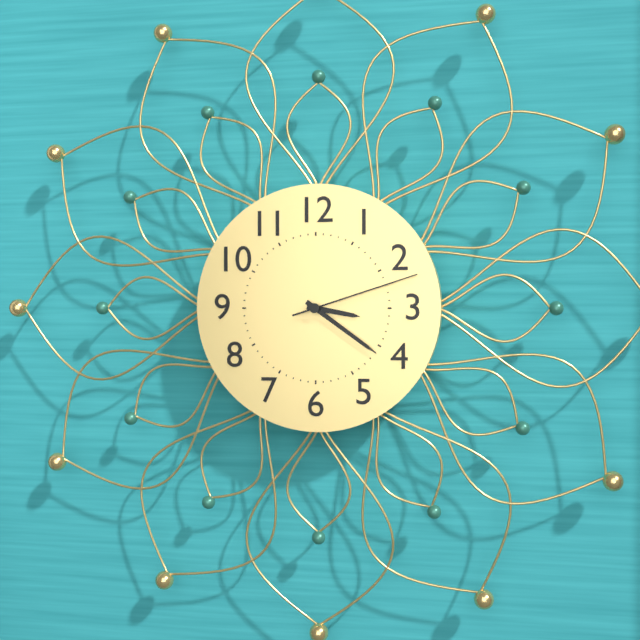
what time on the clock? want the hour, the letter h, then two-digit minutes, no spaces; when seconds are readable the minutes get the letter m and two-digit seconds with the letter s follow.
3h21m12s
